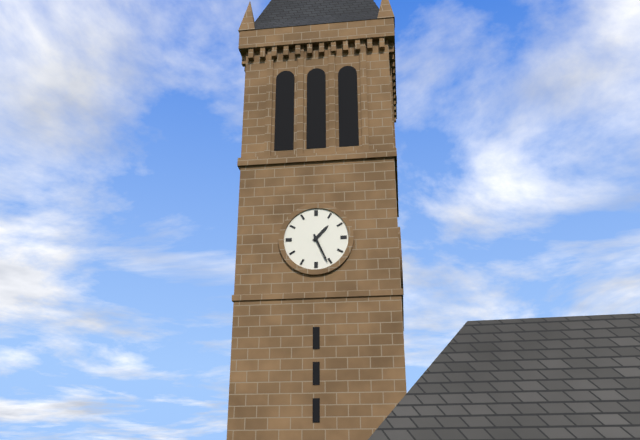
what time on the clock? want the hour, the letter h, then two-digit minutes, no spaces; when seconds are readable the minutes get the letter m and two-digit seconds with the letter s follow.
1h26
